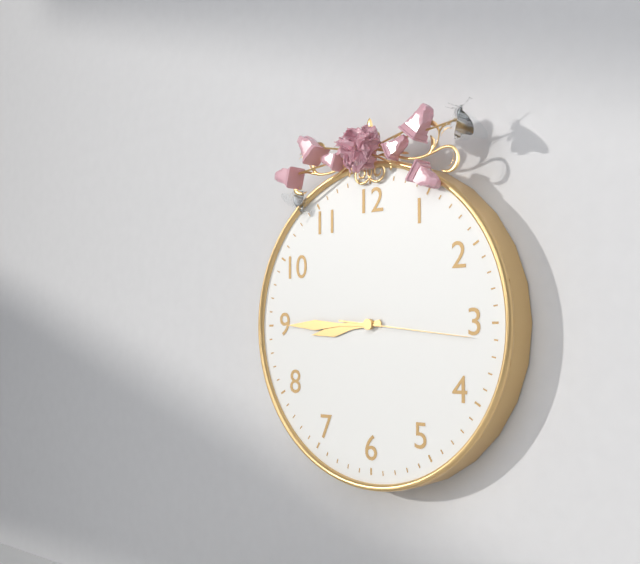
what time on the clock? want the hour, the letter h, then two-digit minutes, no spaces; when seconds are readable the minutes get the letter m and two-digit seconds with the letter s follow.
8h45m16s
